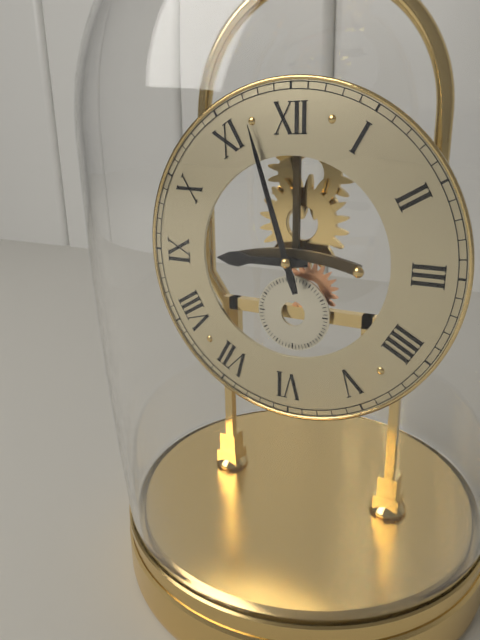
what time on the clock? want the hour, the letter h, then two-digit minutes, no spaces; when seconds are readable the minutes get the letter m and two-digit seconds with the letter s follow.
8h57
